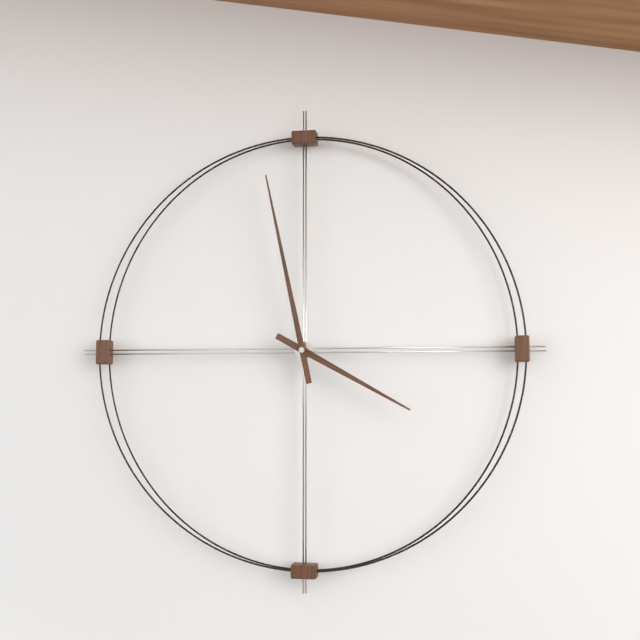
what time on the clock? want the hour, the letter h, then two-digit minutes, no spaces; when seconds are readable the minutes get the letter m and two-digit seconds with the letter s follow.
3h58
